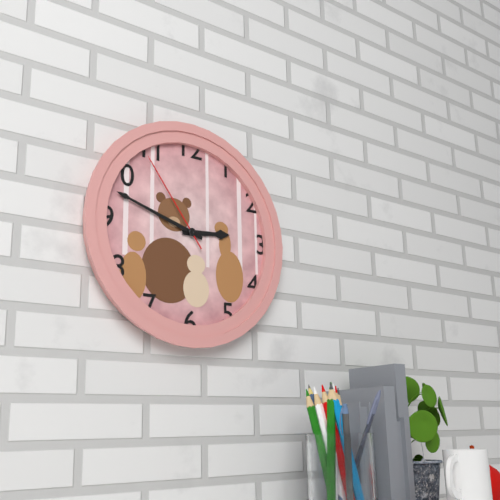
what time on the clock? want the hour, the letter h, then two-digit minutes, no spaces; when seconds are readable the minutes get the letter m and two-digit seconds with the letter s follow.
2h48m54s
